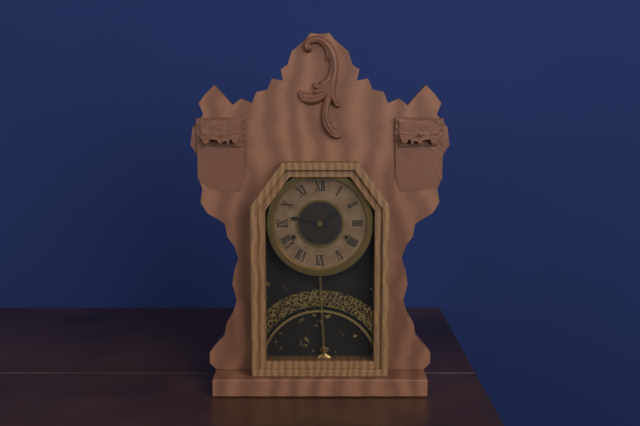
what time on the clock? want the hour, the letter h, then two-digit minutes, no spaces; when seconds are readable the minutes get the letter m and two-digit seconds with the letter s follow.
1h47
